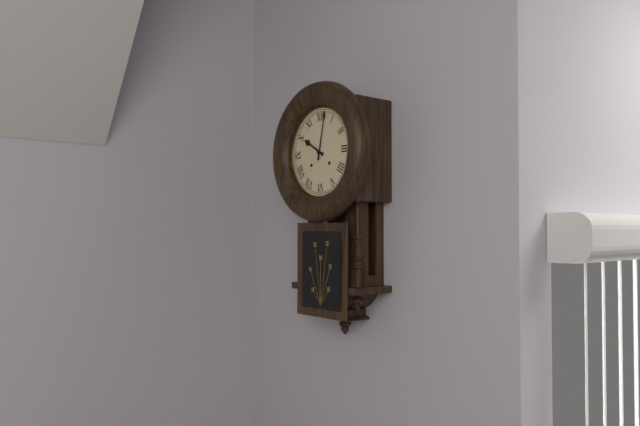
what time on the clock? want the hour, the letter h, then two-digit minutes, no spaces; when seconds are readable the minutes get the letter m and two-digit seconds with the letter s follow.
10h02
